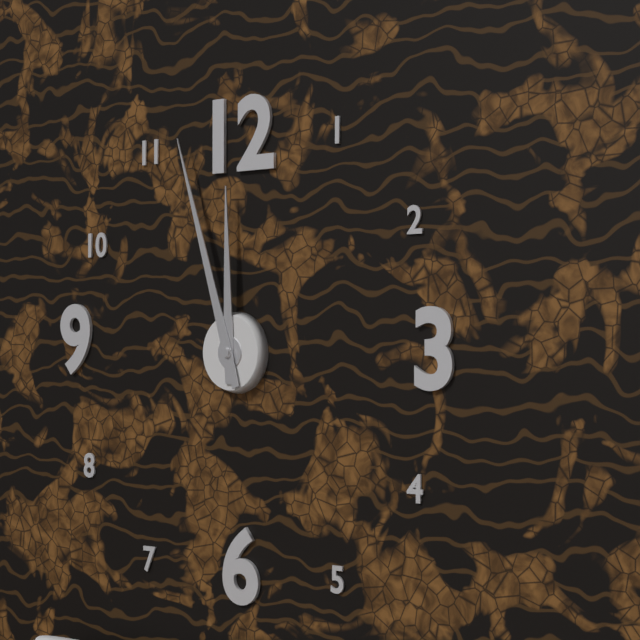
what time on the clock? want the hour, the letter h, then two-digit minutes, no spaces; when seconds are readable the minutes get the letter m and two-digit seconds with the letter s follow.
11h57
